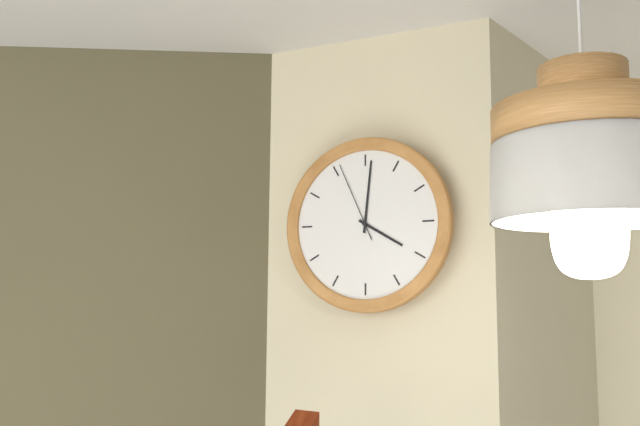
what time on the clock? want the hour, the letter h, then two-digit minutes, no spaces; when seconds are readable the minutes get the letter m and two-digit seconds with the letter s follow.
4h01m56s
